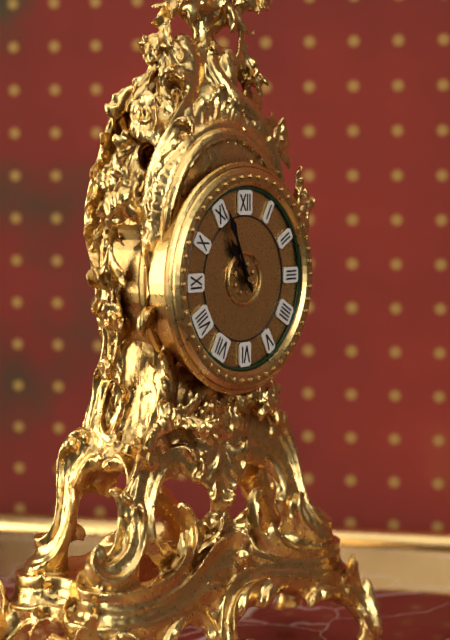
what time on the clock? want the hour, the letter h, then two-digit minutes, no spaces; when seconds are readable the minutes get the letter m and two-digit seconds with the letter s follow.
10h56
